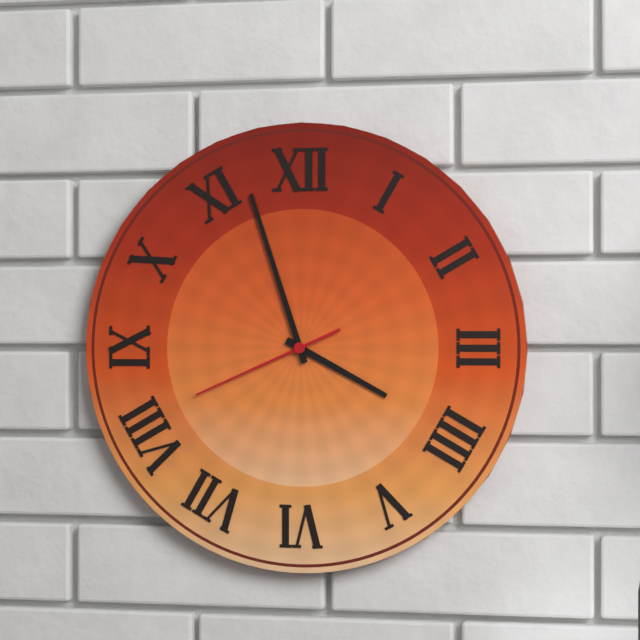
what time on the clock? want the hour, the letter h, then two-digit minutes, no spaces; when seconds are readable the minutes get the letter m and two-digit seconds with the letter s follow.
3h57m41s
